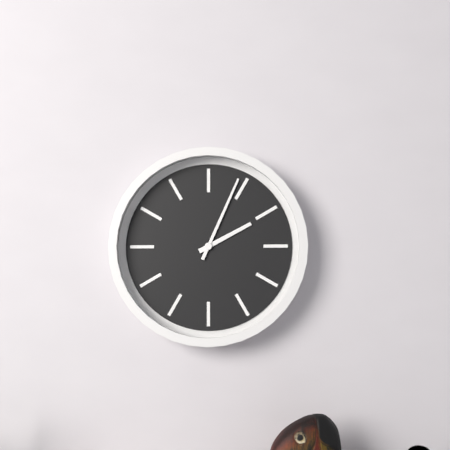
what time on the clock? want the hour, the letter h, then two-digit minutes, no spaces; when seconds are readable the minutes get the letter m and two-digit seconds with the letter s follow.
2h04
